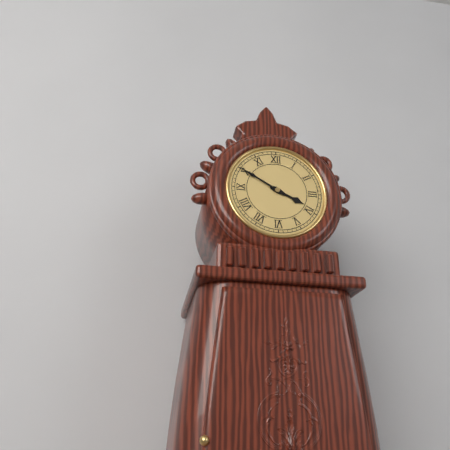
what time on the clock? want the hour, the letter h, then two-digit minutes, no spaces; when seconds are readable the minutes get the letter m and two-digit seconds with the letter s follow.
3h50
